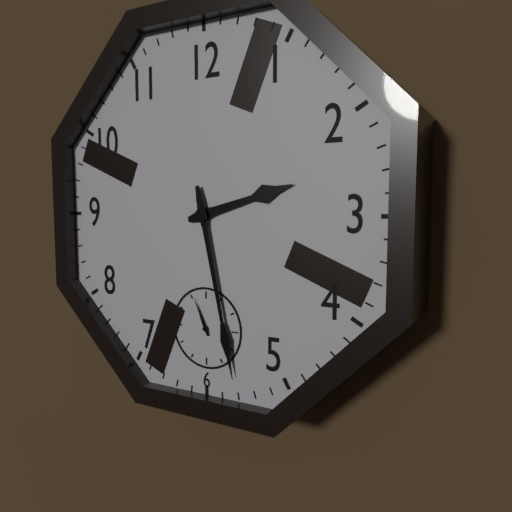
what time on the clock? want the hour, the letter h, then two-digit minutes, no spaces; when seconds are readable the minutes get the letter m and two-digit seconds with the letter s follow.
2h28
